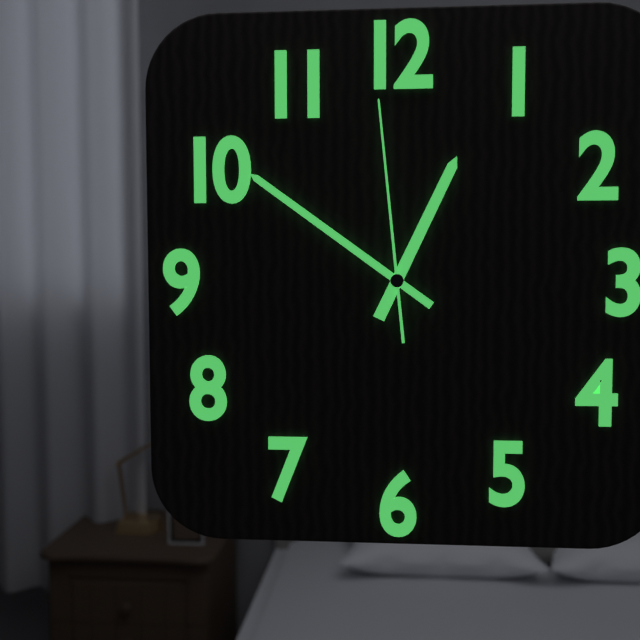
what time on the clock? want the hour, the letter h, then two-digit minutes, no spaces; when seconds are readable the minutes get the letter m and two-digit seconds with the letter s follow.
12h51m59s
